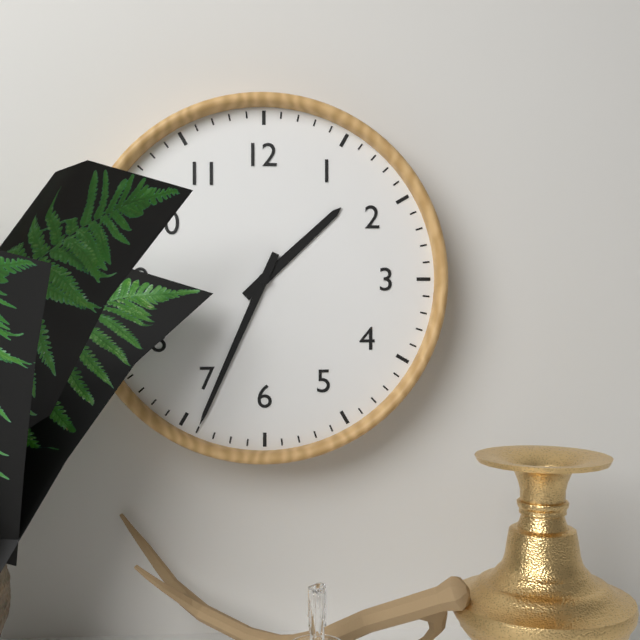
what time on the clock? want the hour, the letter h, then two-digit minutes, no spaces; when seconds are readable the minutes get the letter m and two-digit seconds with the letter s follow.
1h34
